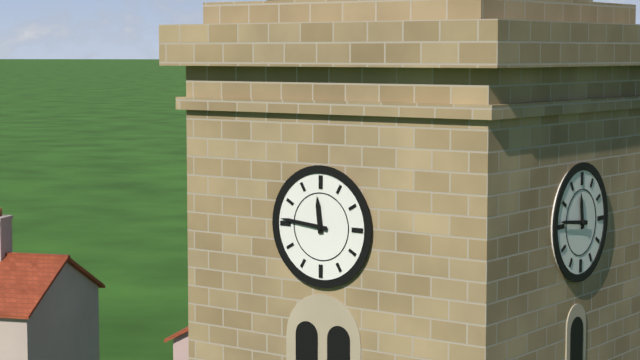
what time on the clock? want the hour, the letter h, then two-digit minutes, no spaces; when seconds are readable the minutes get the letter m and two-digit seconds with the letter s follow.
11h46
